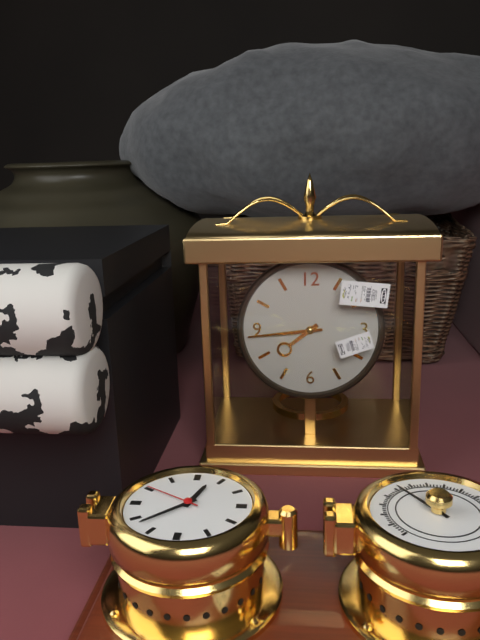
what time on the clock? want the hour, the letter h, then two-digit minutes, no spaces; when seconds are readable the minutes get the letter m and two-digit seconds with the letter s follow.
7h44
